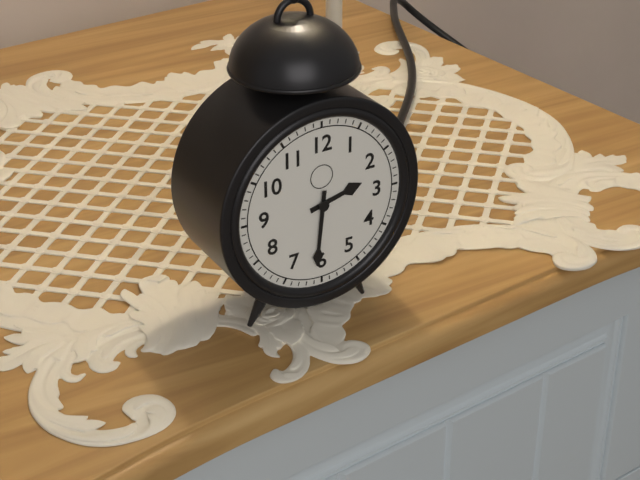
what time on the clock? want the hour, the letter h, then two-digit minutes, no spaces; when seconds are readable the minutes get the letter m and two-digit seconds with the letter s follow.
2h31
